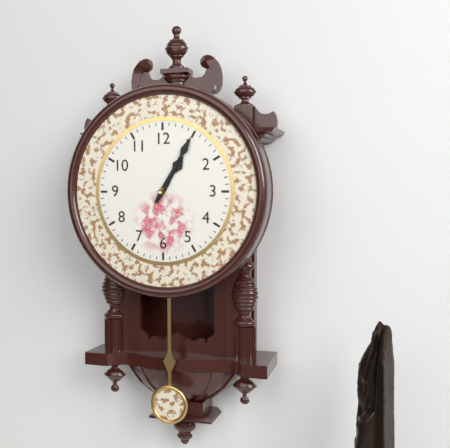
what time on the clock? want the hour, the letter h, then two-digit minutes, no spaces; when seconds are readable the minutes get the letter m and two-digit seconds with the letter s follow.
1h05
